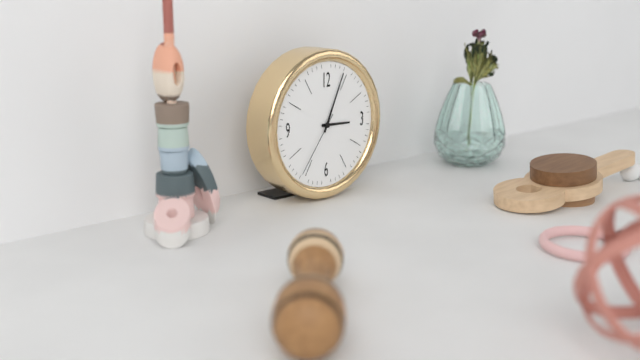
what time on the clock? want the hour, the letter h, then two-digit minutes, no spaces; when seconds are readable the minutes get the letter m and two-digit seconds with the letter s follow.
3h04m36s
